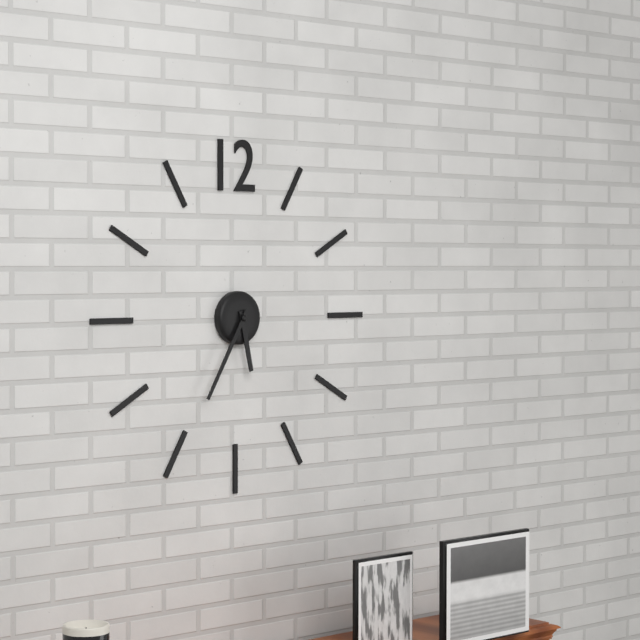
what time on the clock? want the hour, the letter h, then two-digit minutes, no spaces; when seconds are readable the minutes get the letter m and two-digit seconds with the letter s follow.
5h35
